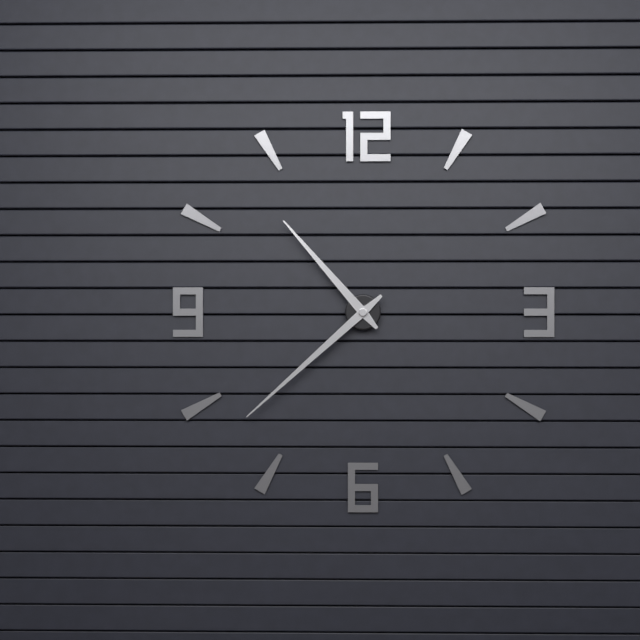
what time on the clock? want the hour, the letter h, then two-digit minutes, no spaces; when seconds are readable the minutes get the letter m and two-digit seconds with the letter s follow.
10h38
